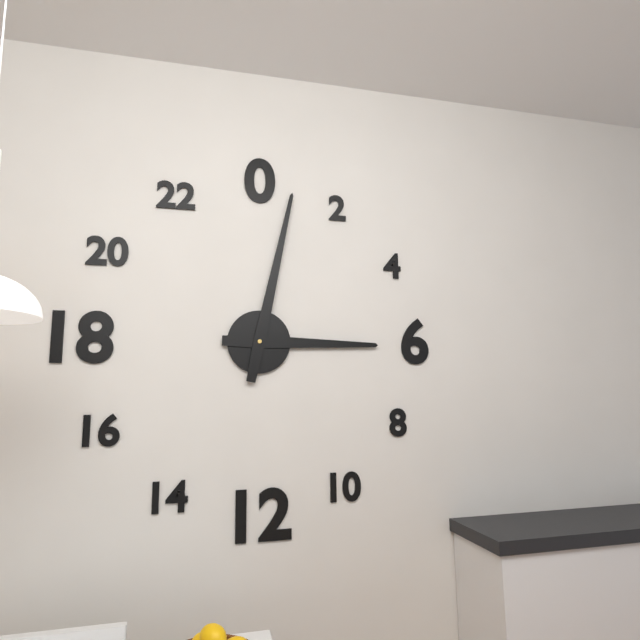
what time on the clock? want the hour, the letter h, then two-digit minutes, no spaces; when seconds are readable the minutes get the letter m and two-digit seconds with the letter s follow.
3h02
